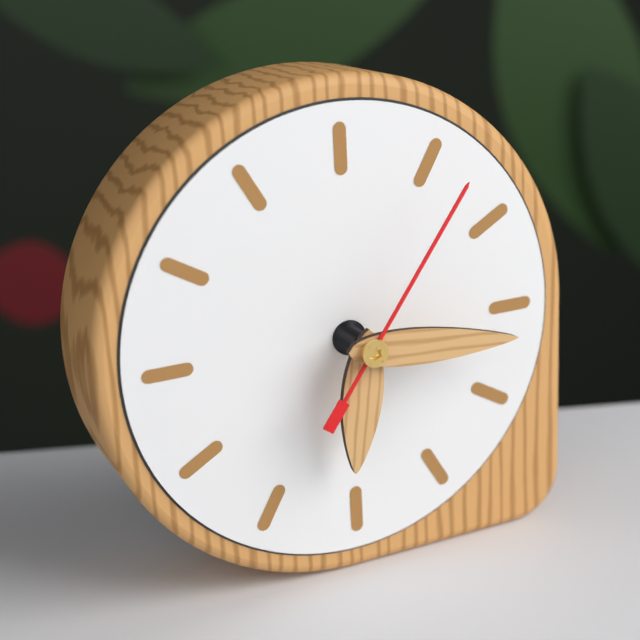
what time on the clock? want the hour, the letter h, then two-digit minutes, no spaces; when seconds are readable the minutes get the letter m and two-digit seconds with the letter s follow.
6h16m06s
